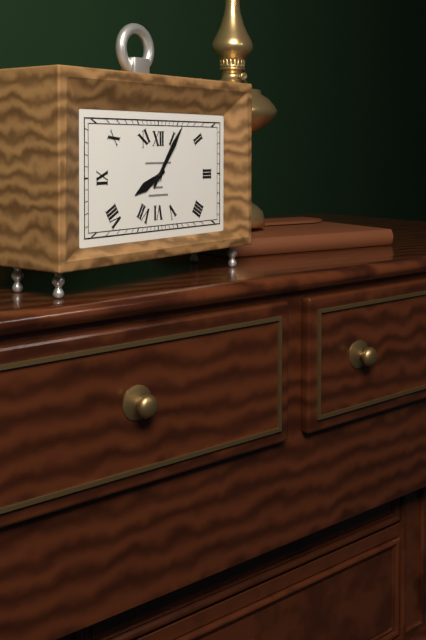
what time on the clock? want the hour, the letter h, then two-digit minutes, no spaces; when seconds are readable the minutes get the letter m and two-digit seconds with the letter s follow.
8h06
